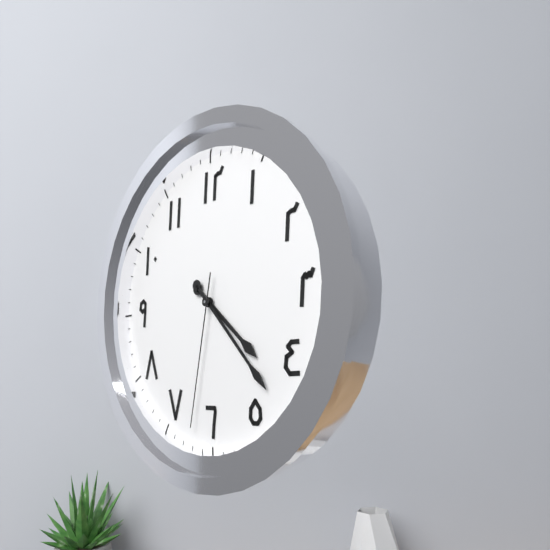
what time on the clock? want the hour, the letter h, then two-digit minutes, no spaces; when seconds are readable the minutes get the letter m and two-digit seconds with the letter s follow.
4h23m32s
